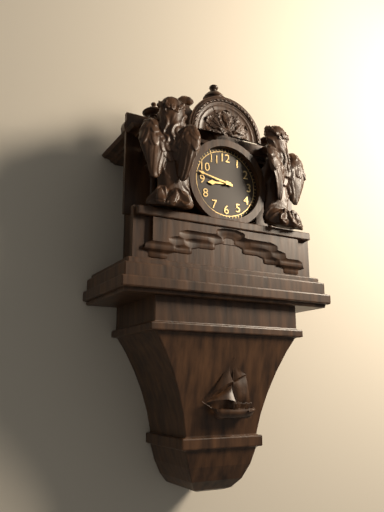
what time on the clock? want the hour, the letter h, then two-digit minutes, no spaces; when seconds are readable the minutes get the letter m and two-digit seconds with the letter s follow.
8h47
